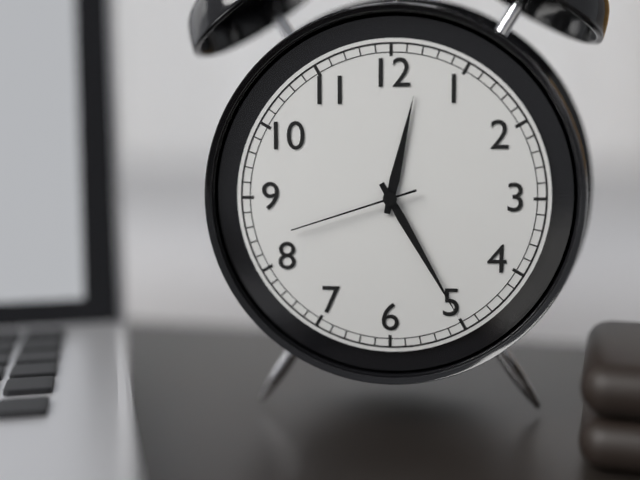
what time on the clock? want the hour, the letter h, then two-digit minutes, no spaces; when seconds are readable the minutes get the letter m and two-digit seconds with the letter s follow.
12h25m42s
